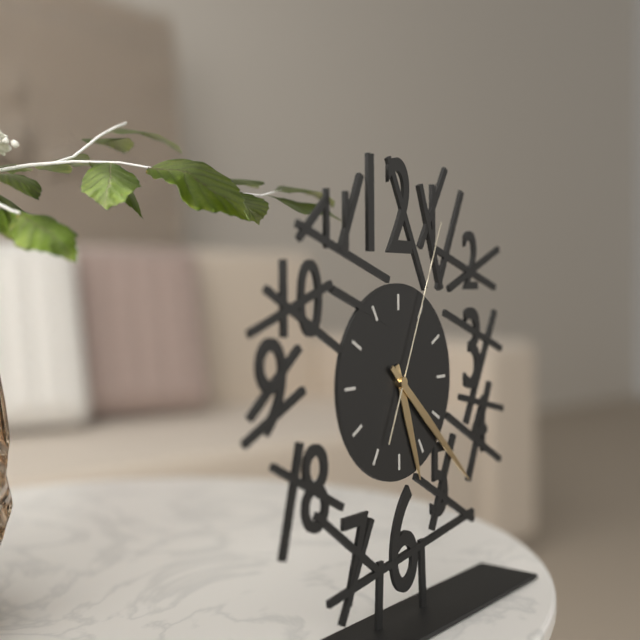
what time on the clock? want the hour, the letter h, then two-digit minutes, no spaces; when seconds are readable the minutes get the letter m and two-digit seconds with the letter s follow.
5h22m04s
